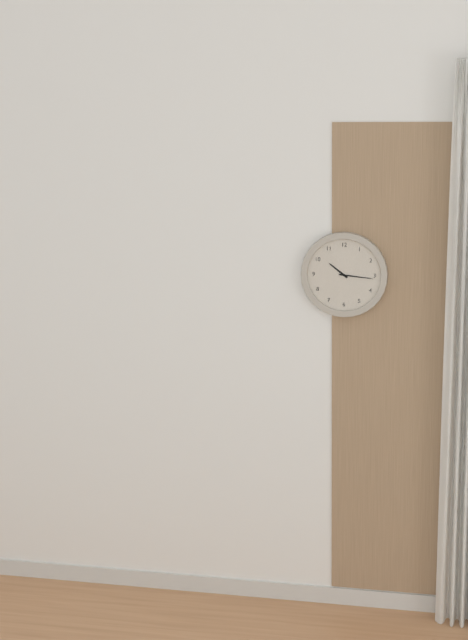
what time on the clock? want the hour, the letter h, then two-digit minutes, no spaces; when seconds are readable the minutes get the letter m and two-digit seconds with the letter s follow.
10h16
